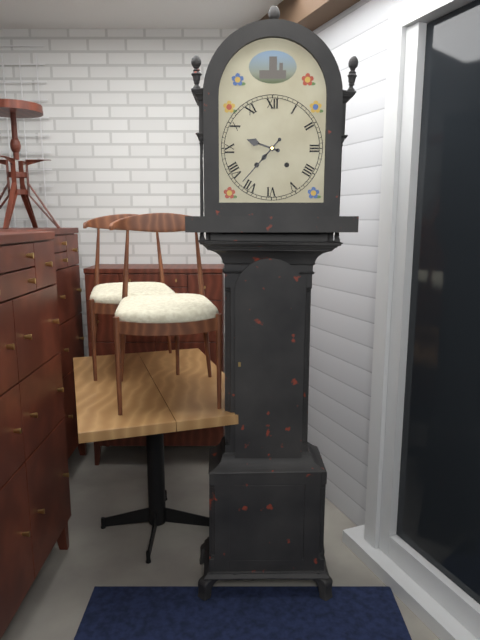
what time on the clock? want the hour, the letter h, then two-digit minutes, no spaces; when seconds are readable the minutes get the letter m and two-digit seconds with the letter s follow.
9h37
